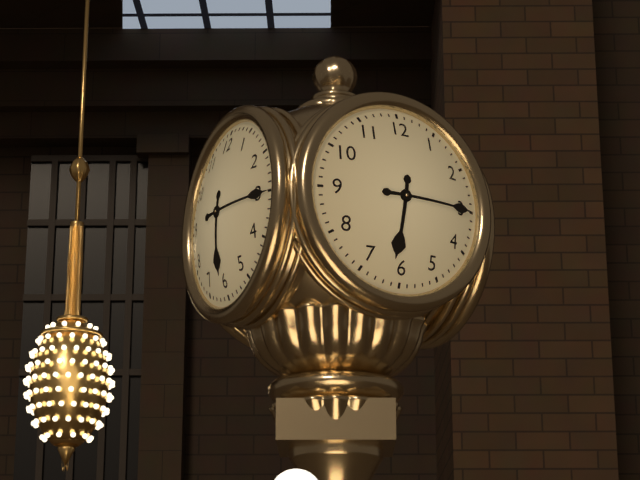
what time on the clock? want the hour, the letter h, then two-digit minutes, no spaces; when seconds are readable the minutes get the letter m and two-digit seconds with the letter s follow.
6h15
